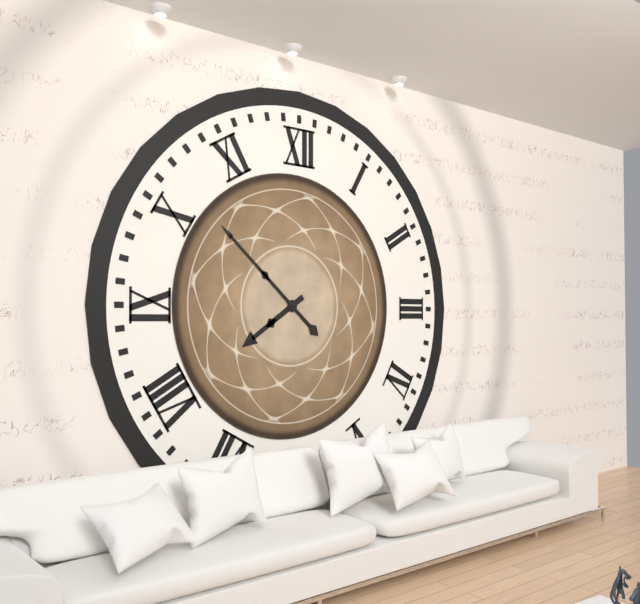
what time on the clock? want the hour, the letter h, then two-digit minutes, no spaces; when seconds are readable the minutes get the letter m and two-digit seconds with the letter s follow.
7h52
